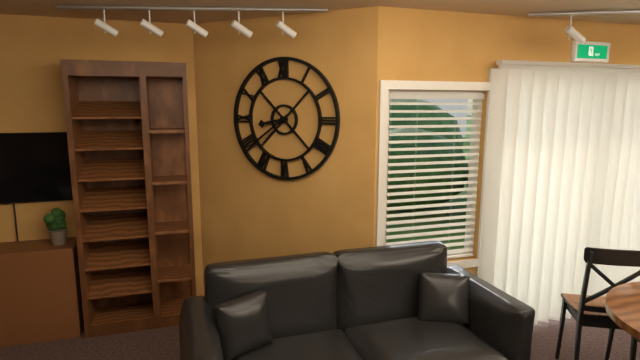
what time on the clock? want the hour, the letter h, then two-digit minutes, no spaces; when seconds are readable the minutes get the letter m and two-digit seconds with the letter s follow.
8h39
